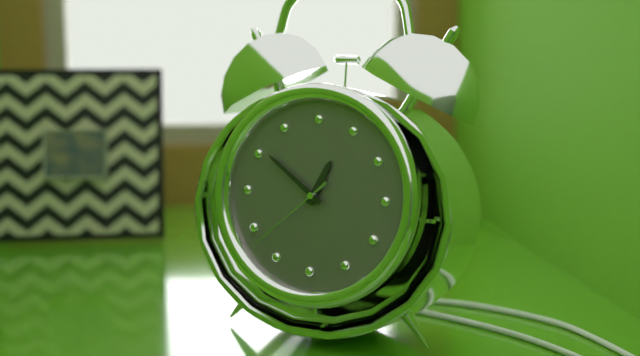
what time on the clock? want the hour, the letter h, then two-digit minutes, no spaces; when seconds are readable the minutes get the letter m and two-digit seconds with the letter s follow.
12h51m38s
